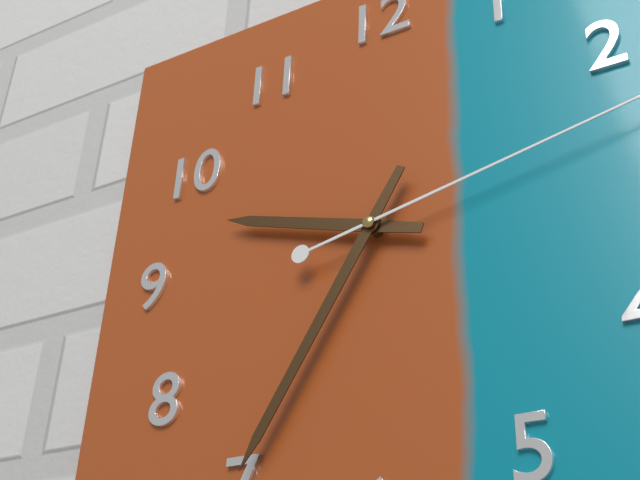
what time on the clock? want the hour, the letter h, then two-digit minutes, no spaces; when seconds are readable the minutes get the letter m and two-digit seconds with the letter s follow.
9h35
